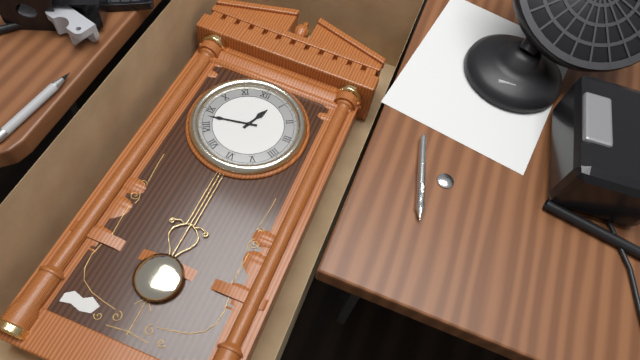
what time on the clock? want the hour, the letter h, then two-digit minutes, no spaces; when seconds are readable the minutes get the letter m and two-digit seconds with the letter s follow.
12h43
